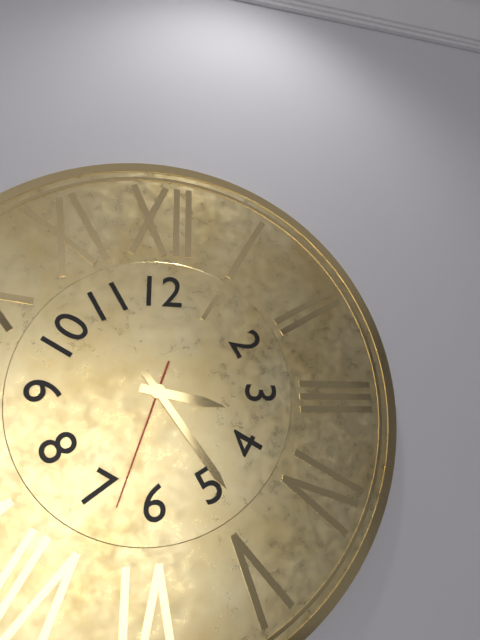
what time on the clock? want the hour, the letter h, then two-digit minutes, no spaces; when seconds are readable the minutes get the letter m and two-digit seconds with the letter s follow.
3h24m33s
